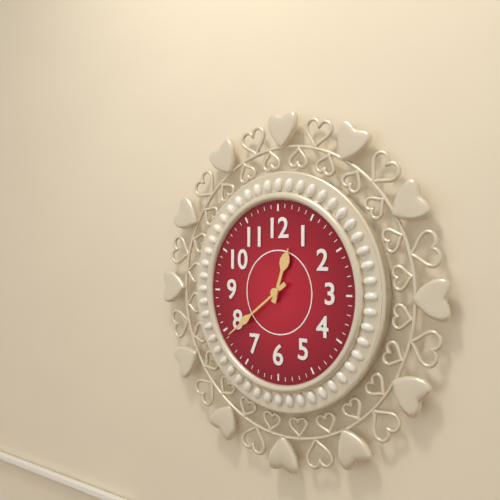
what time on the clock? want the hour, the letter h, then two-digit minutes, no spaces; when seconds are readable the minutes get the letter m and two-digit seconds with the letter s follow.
12h39
